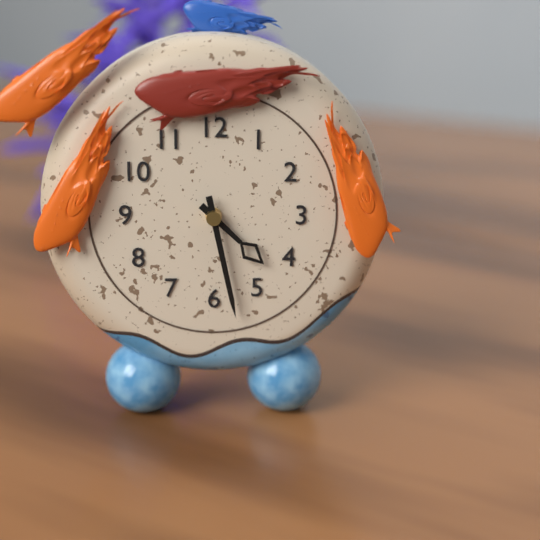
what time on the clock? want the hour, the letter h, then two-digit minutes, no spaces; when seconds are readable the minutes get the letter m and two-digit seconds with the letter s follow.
4h28
